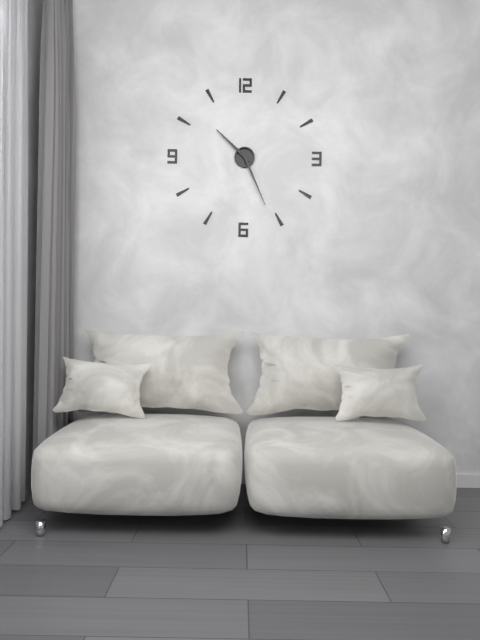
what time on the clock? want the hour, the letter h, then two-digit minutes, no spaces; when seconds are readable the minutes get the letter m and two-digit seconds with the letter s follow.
10h26
